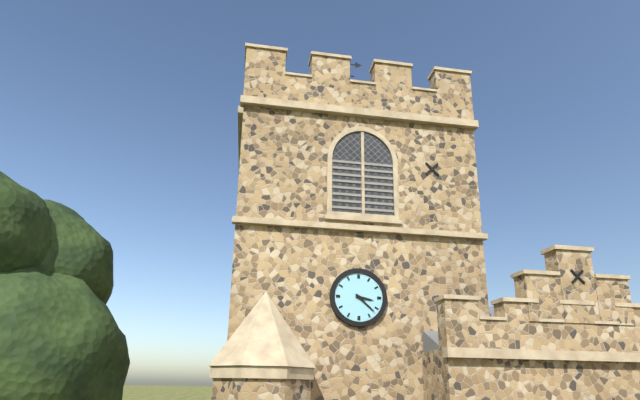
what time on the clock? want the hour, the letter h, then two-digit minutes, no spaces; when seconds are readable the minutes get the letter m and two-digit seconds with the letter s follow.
3h22
